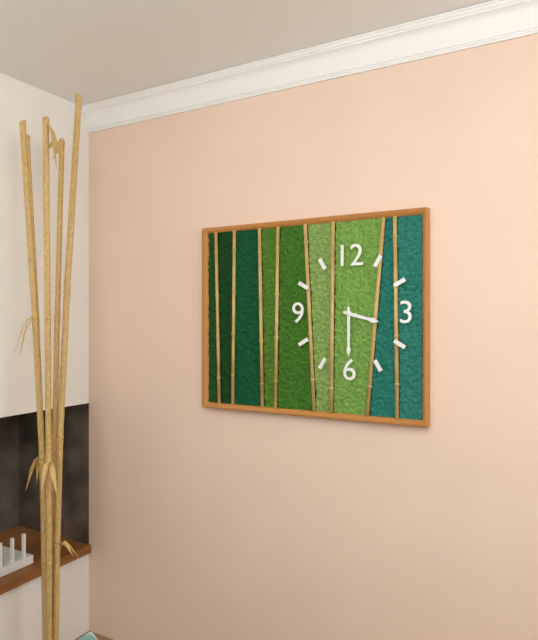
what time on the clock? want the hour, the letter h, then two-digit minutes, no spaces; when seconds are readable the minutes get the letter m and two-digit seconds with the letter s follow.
3h30
